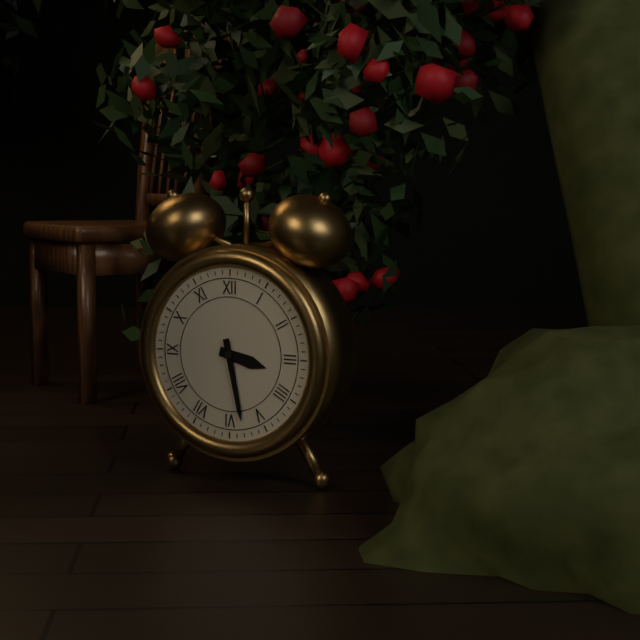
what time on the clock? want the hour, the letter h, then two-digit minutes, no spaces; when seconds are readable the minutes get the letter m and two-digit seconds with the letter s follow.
3h28
